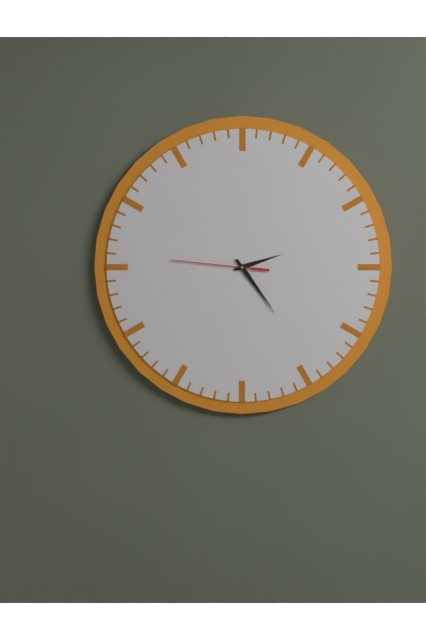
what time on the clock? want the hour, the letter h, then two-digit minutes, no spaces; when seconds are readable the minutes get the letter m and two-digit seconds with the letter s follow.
2h24m46s
